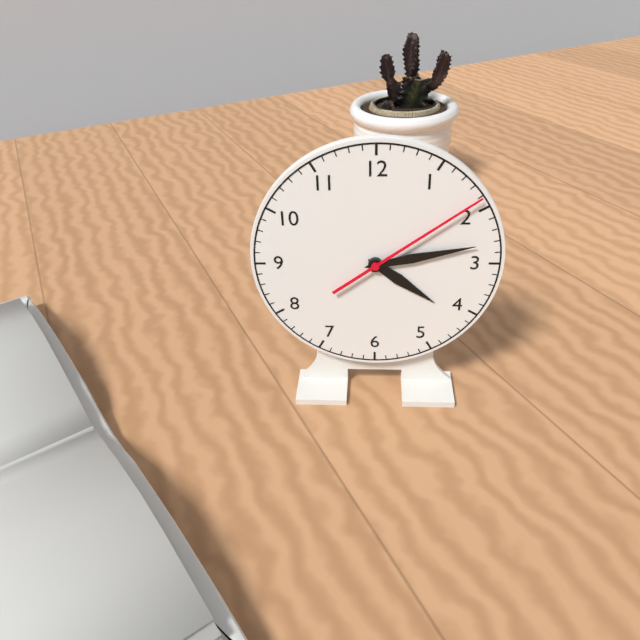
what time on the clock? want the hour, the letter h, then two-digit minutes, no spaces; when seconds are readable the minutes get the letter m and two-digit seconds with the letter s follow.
4h13m09s
